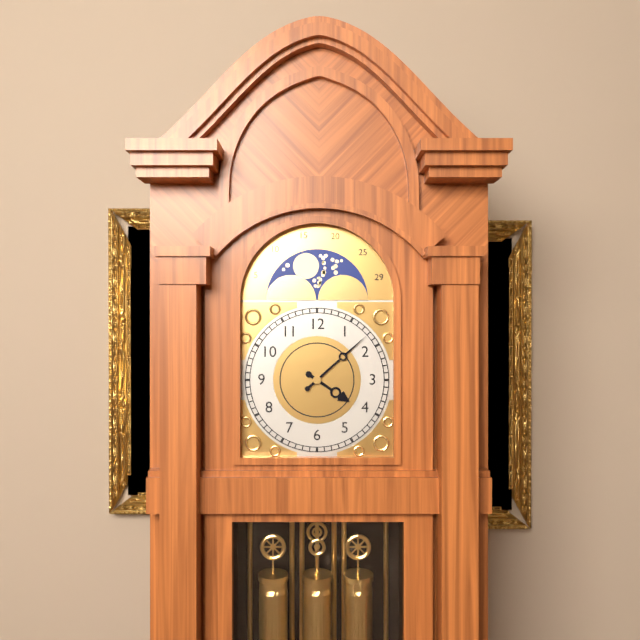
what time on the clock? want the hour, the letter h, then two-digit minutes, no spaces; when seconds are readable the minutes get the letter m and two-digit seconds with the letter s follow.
4h08
